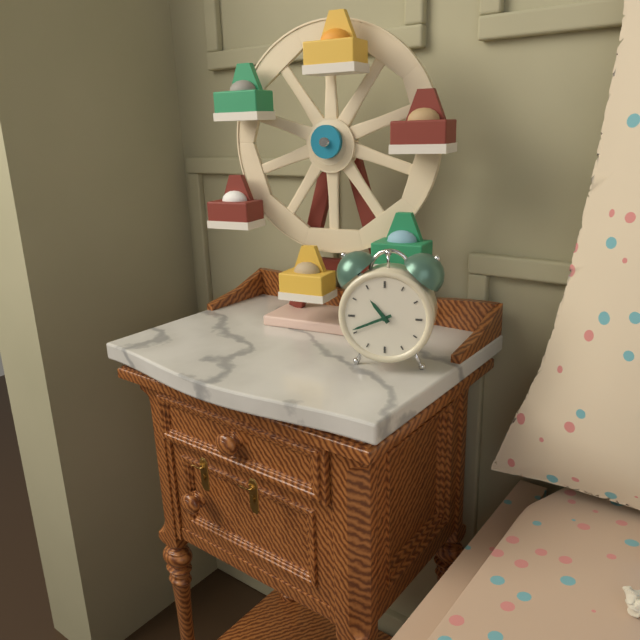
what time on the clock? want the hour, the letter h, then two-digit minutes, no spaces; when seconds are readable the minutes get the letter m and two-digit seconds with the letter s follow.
10h41
